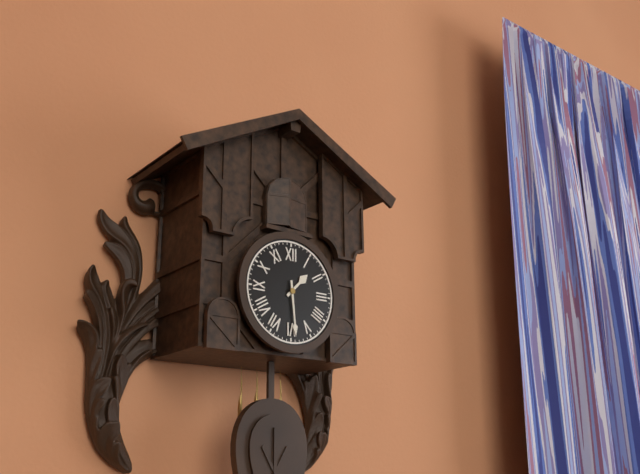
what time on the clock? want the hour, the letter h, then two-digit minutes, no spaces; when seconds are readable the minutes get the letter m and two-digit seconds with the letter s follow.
1h29
